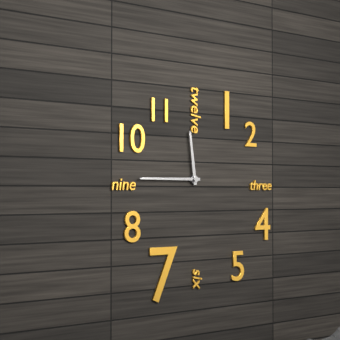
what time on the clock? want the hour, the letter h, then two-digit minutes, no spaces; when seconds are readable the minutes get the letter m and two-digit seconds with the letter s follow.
11h45
